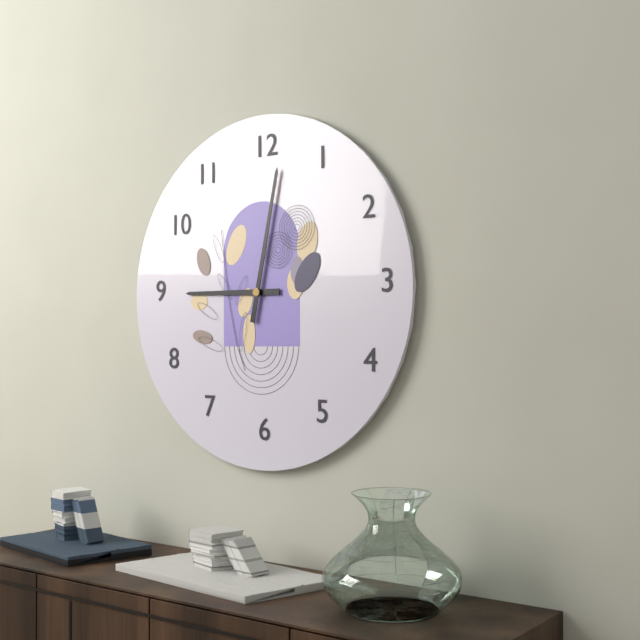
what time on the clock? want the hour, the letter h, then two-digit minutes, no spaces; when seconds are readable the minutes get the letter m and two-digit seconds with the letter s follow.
9h02
